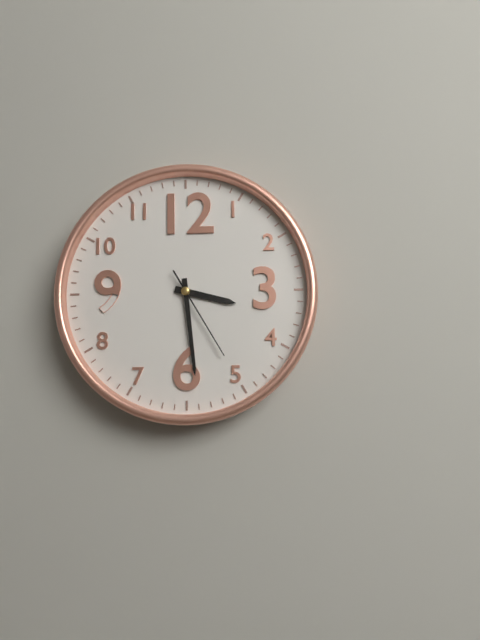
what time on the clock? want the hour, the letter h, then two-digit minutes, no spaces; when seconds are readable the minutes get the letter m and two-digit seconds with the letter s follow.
3h29m25s
